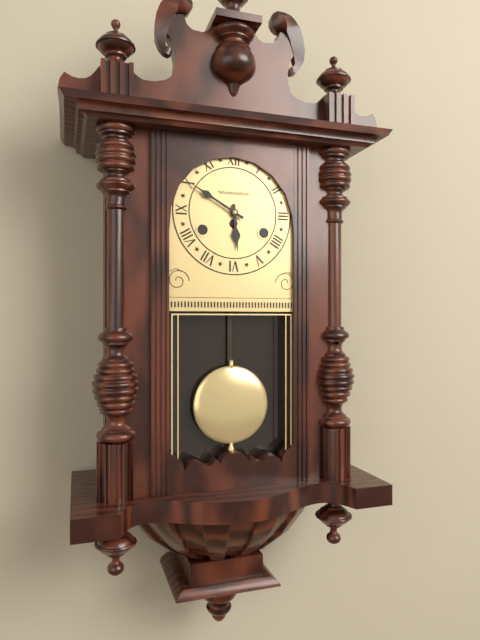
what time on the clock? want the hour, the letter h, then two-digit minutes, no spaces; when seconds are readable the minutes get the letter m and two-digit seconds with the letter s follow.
5h50
